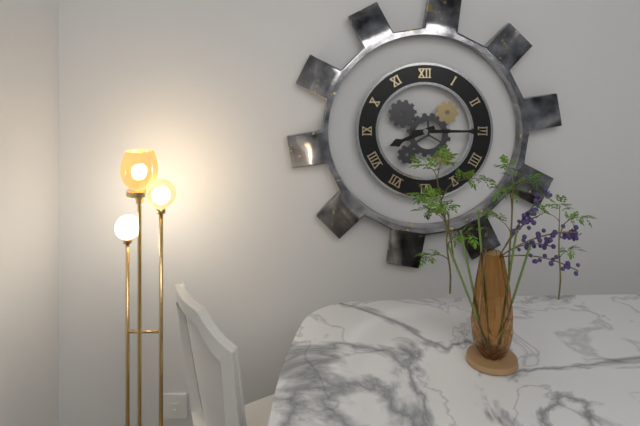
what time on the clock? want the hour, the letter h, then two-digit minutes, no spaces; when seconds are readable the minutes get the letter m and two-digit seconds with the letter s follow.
8h15
